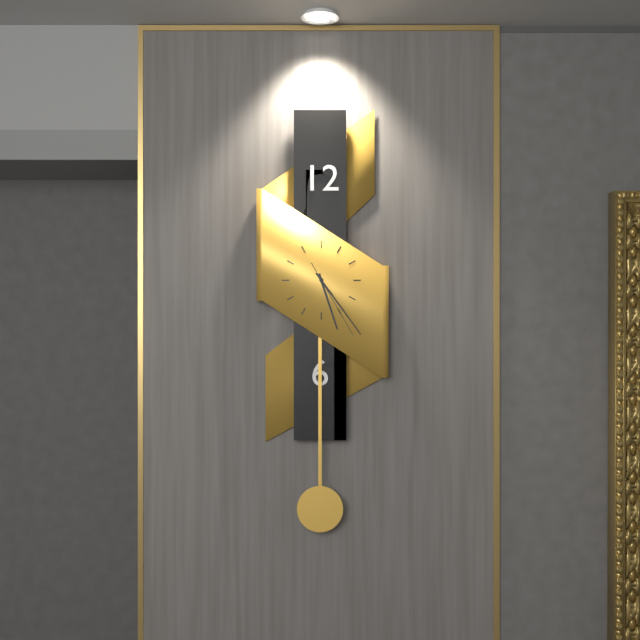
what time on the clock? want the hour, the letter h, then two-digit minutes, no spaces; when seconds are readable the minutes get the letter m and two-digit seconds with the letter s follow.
5h24m25s
